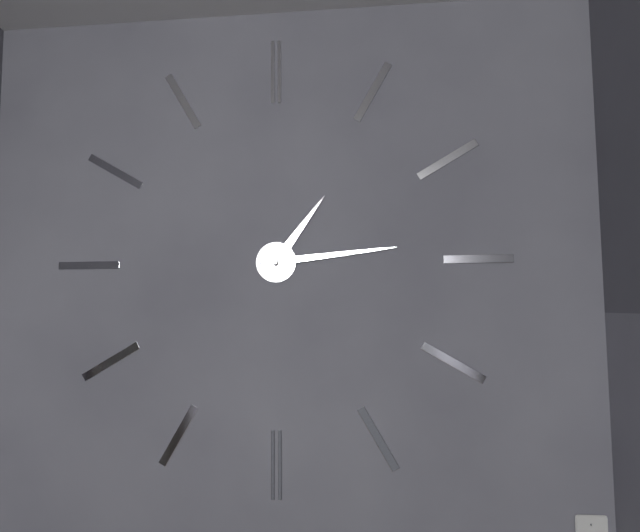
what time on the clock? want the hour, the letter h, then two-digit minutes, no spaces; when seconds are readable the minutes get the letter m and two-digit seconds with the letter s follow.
1h14
